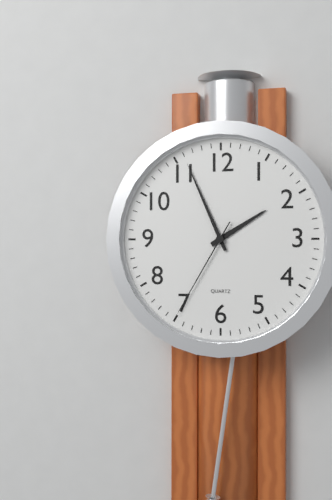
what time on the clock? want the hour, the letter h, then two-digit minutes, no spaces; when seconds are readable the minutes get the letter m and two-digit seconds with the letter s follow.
1h56m35s
